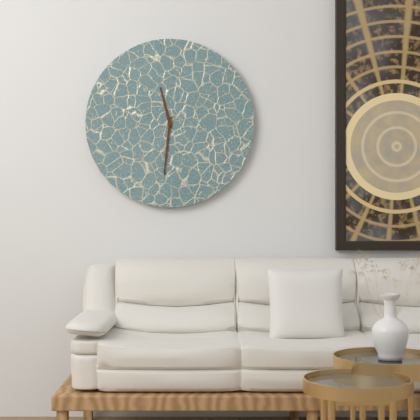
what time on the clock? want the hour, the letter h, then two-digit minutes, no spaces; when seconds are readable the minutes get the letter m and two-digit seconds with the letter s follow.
11h31
